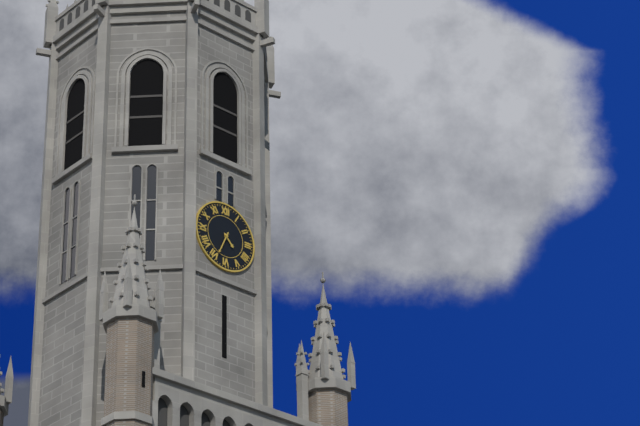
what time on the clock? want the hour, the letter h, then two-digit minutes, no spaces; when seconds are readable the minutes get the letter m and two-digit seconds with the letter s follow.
4h34
